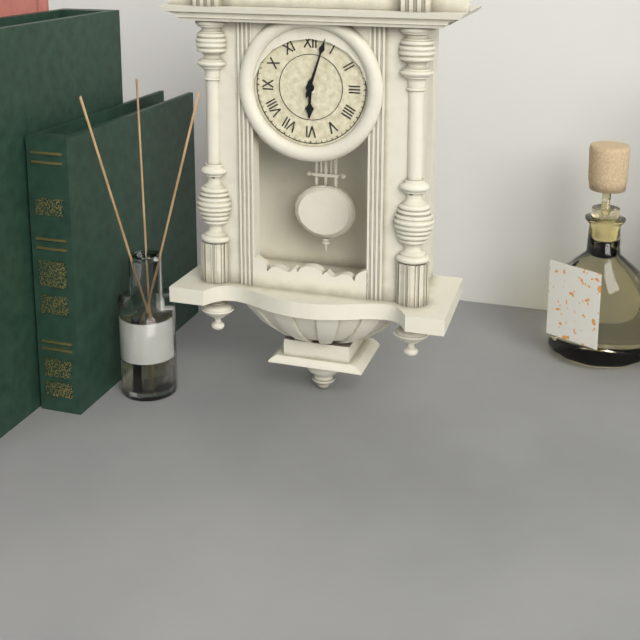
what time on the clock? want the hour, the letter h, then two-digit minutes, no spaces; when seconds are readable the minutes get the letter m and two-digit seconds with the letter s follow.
6h03
